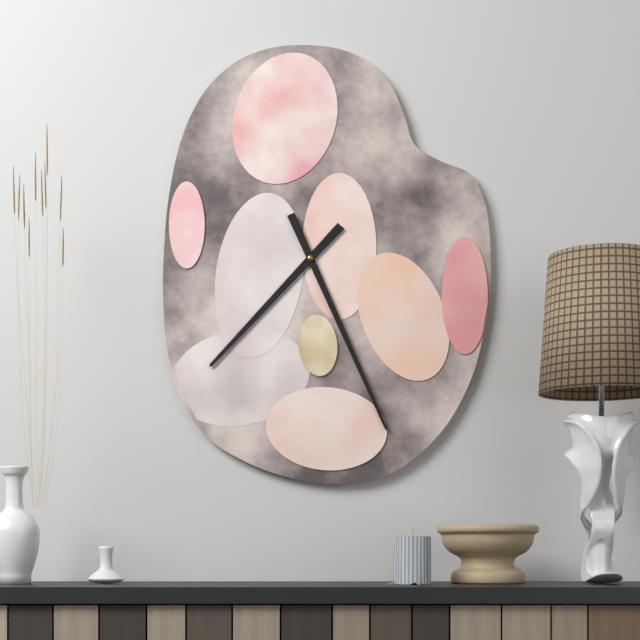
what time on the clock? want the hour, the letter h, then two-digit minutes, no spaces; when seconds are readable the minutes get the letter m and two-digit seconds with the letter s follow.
7h26
